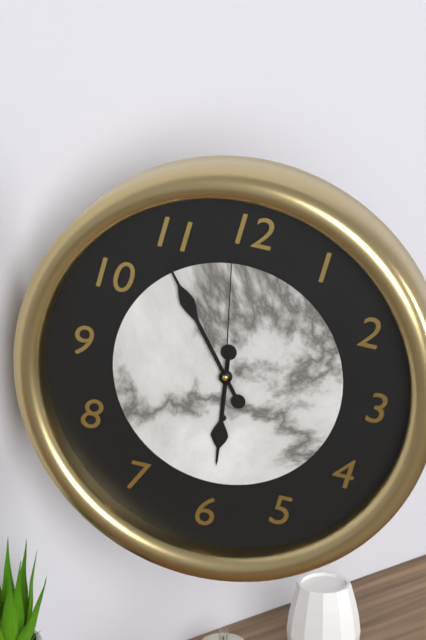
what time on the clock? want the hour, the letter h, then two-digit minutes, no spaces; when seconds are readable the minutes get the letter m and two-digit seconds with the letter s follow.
5h54m59s
